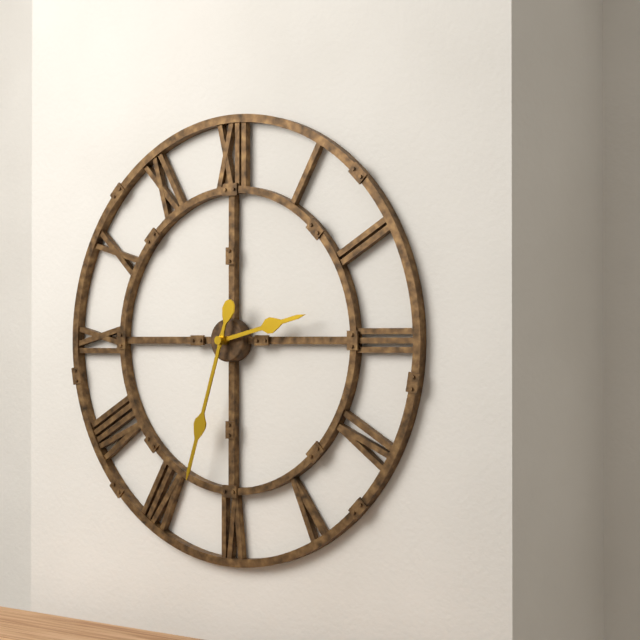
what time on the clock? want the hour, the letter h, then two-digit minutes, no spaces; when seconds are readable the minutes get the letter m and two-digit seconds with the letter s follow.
2h33
